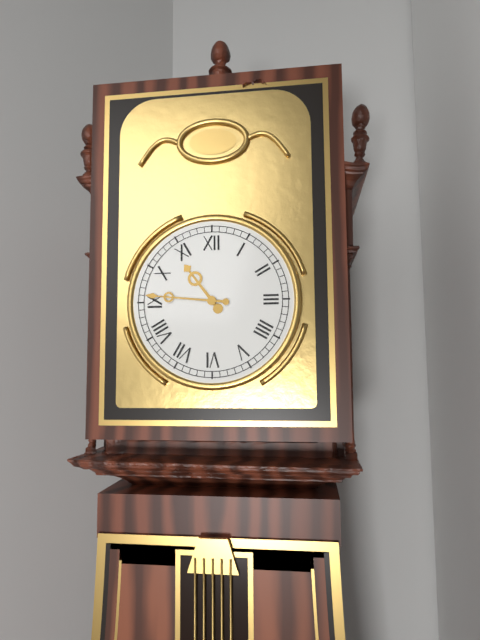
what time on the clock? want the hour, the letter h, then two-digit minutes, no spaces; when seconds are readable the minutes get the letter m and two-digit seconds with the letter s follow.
10h46
